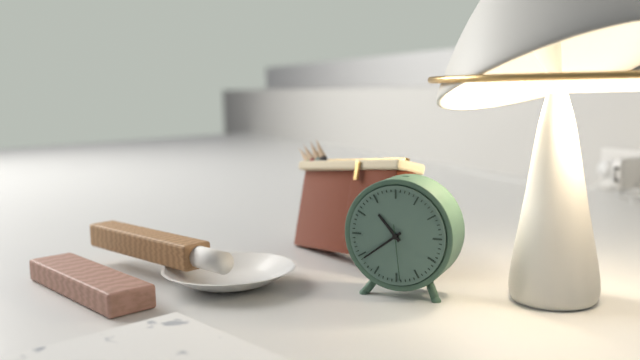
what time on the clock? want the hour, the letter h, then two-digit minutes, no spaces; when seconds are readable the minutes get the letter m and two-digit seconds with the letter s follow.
10h39m29s
